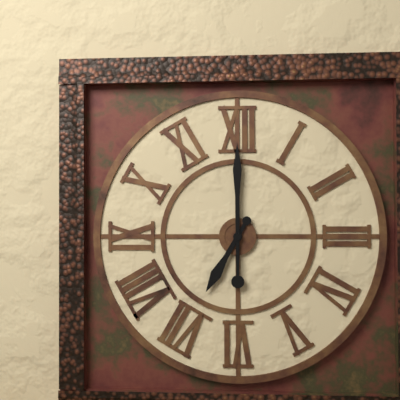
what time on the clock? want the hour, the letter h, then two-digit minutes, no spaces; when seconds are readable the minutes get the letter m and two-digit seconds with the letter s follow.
7h00
